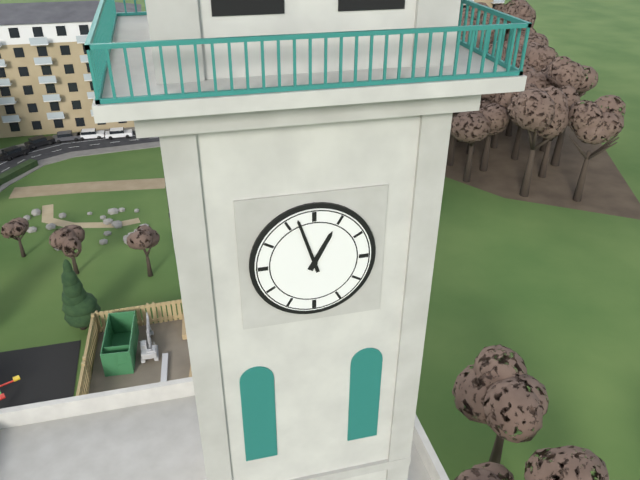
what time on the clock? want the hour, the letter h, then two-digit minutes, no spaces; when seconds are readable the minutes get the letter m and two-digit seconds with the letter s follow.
12h57
